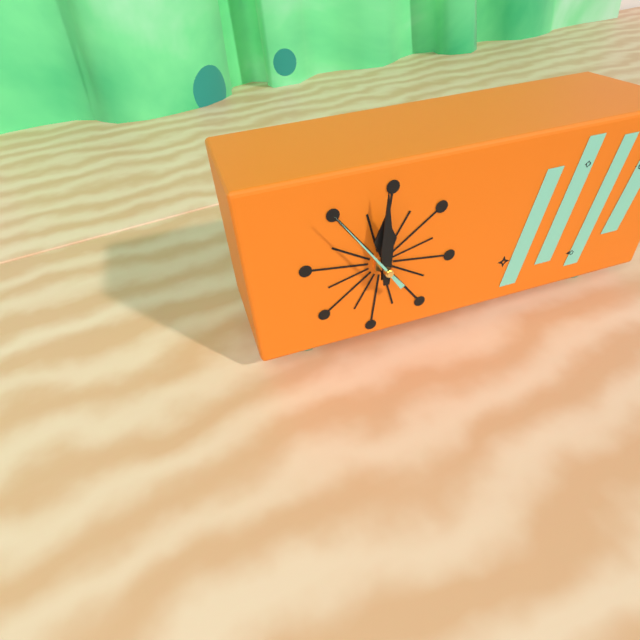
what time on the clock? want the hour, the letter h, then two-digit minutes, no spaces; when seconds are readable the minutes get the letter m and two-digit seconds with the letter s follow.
12h00m54s
